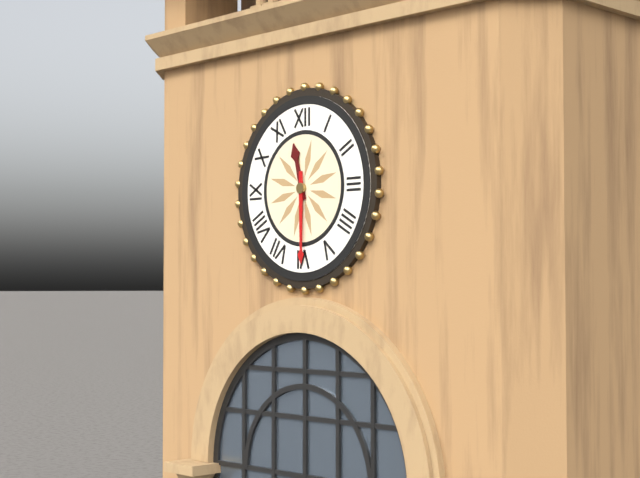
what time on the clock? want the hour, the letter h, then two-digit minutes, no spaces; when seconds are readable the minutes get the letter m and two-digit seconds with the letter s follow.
11h30
